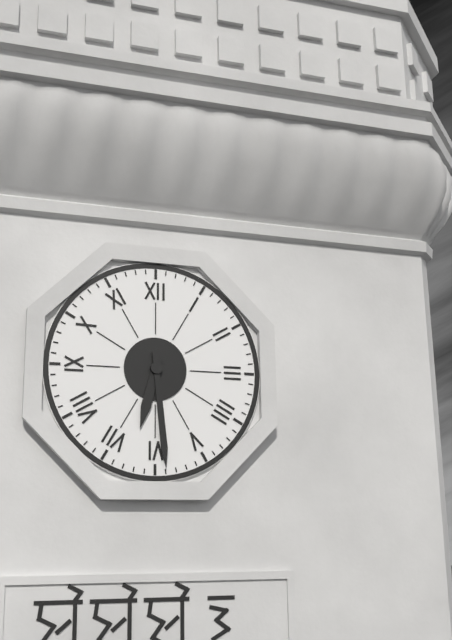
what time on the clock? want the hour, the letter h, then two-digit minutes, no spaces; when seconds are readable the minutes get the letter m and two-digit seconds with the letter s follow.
6h29
